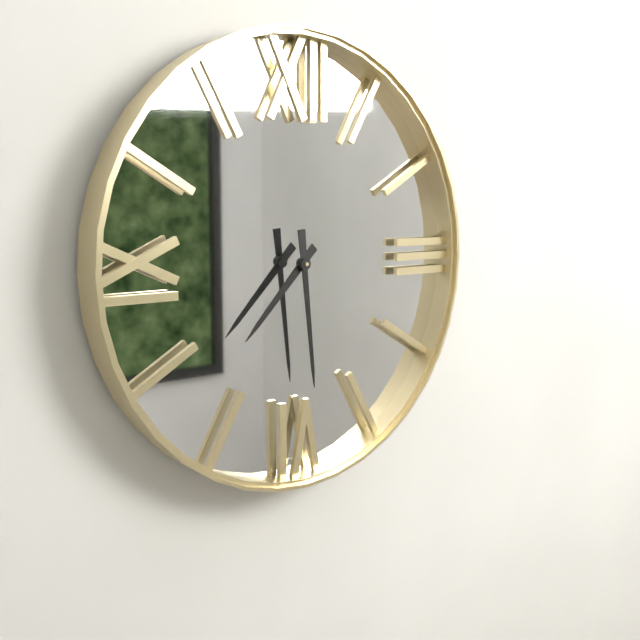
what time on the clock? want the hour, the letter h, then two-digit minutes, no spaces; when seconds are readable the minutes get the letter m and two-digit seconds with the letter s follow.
7h29
